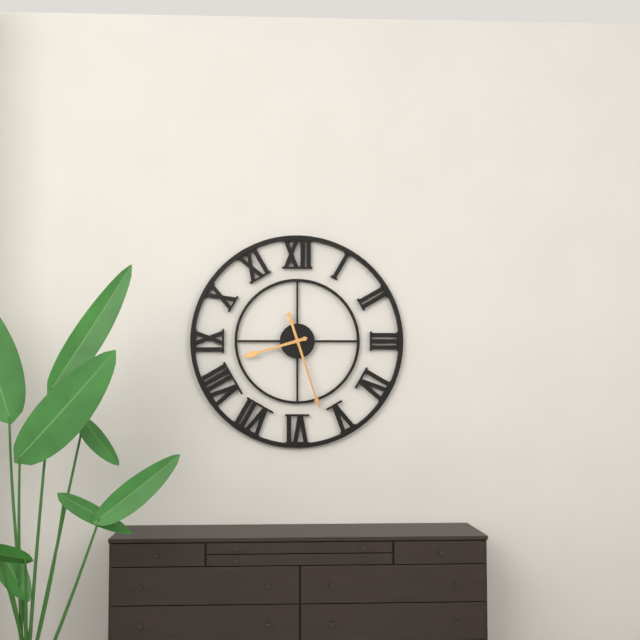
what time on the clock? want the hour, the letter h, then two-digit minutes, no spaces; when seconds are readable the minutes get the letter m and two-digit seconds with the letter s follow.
8h27
